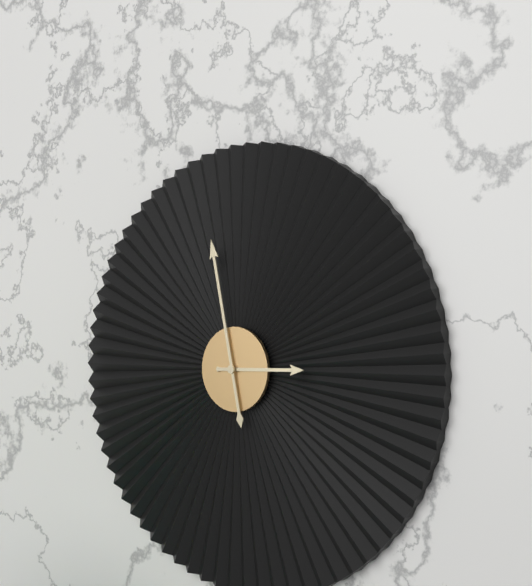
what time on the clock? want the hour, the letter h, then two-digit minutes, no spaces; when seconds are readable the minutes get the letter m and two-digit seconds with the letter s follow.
2h58
